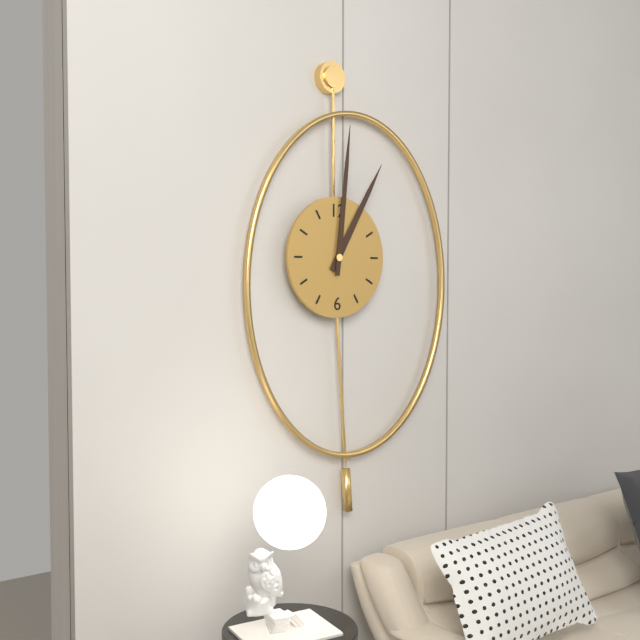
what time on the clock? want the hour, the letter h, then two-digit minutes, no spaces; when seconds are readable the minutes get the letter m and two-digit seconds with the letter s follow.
1h01
